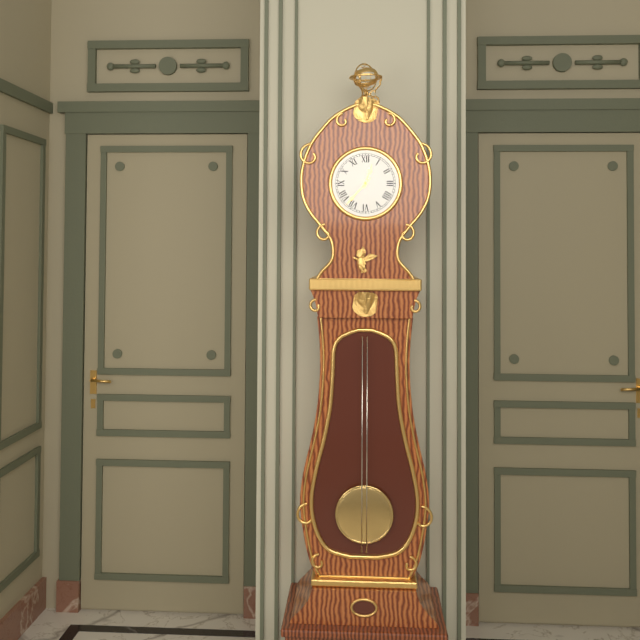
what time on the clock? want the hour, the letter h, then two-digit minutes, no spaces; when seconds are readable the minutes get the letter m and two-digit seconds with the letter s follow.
12h37
